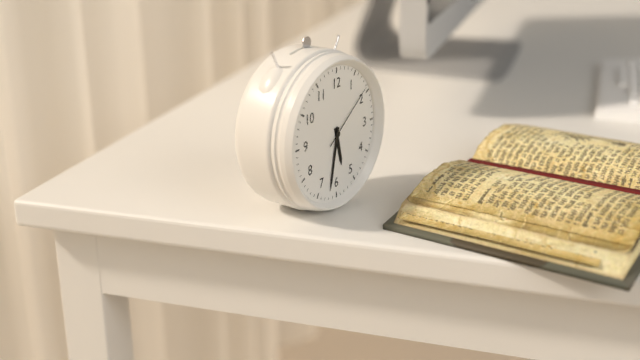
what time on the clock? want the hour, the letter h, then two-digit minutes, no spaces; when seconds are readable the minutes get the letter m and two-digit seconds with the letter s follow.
5h32m09s
